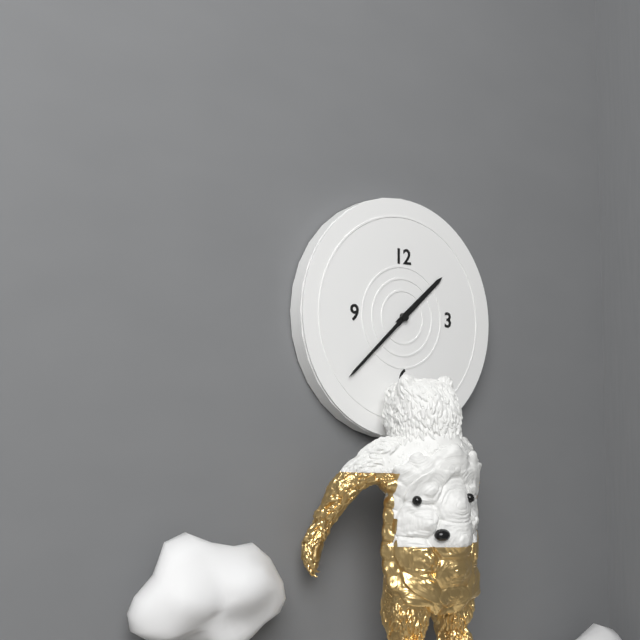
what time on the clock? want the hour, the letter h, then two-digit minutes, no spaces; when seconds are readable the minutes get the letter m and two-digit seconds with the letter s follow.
1h38
